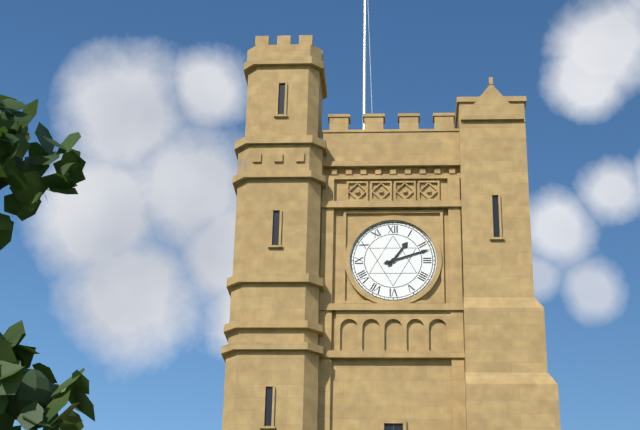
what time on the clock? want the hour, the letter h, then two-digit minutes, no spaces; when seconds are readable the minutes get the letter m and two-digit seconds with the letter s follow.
1h12
